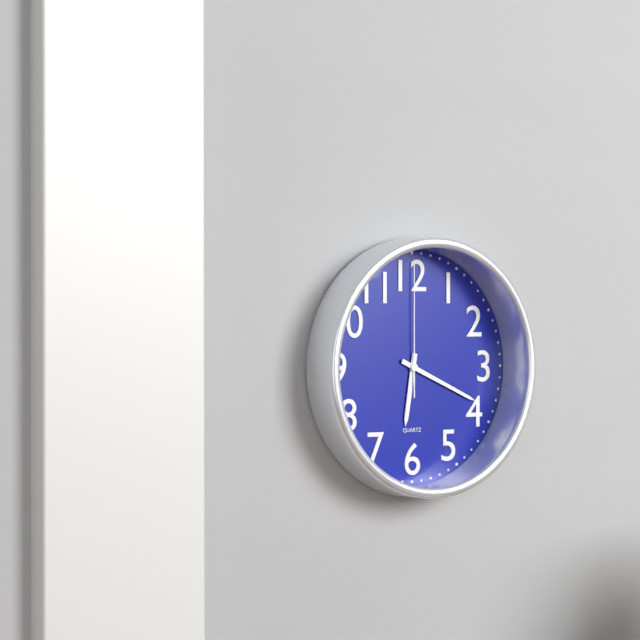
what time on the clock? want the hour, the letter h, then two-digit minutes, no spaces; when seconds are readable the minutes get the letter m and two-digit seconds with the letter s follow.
6h19m00s
